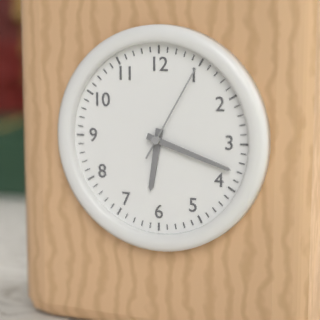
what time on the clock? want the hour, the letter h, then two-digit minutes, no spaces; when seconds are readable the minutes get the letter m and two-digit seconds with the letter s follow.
6h18m05s
